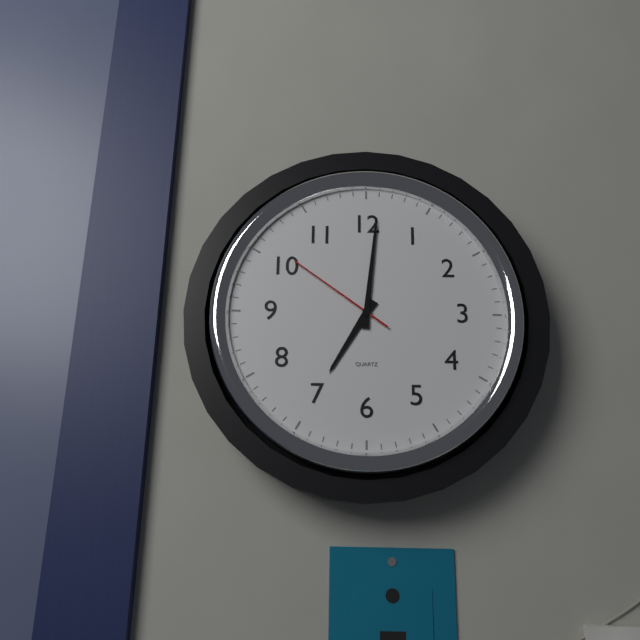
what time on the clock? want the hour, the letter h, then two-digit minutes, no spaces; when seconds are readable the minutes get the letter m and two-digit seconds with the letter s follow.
7h01m51s
